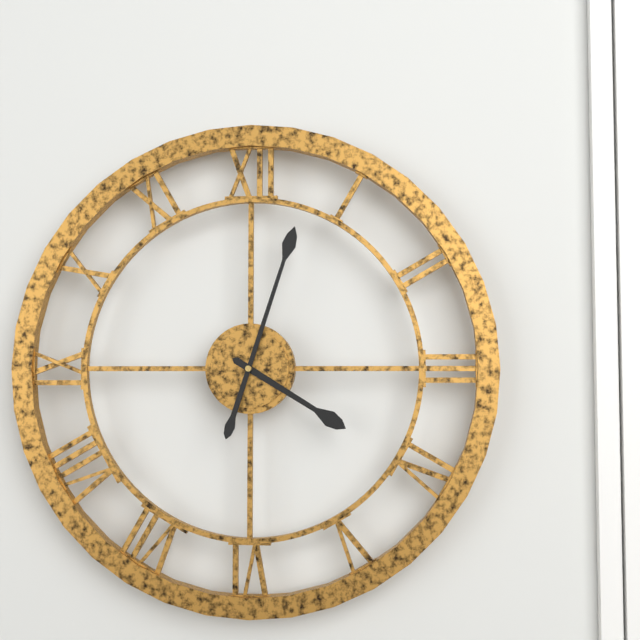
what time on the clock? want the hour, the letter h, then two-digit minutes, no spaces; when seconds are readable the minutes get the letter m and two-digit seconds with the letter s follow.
4h03
